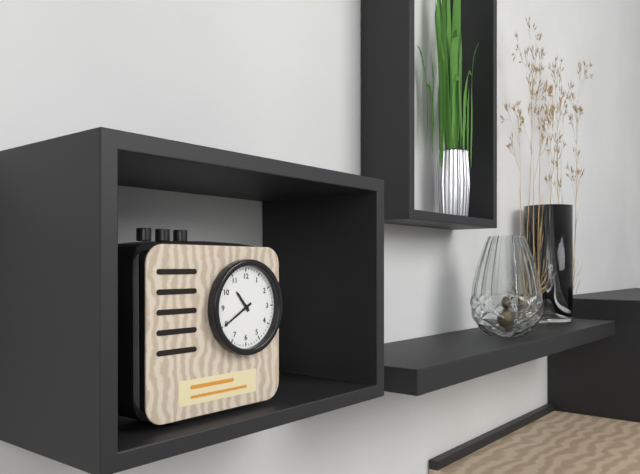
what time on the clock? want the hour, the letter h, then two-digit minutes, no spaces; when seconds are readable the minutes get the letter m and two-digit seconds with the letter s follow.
10h40
